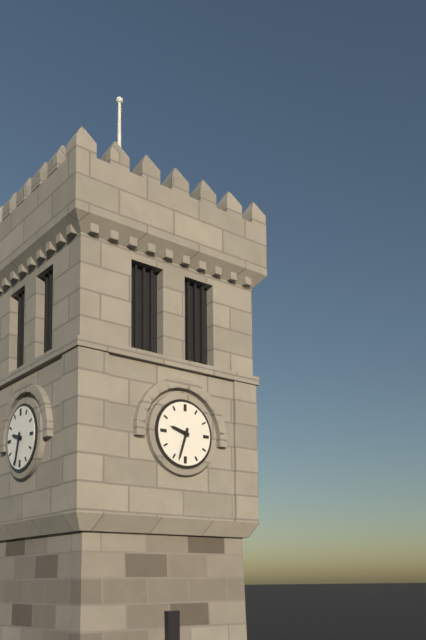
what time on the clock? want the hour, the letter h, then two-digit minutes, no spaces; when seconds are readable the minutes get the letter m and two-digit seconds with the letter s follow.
9h33
